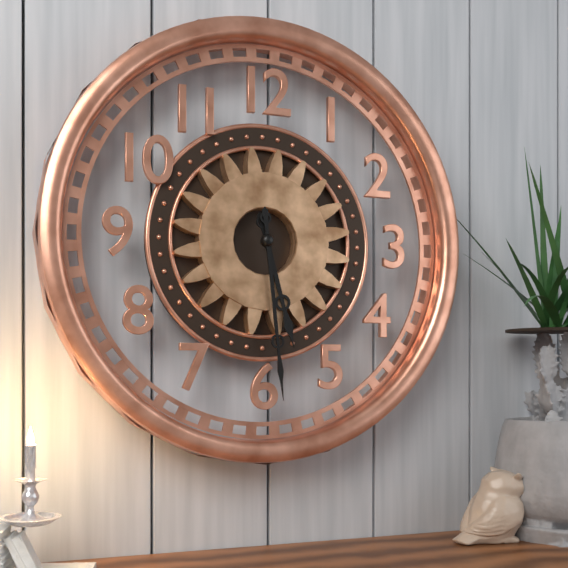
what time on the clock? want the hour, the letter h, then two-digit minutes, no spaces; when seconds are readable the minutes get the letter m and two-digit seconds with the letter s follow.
5h29
